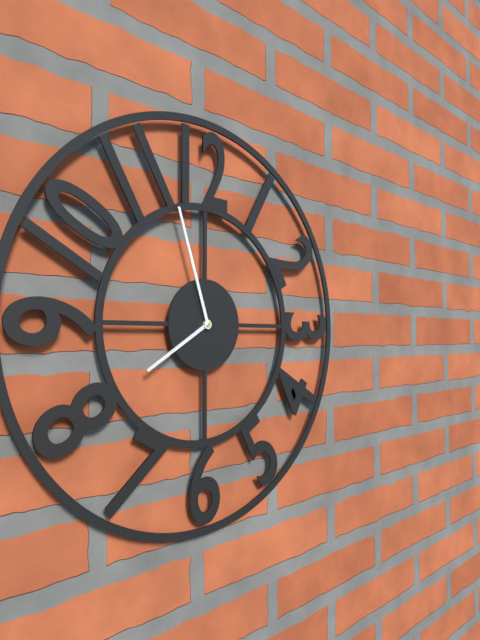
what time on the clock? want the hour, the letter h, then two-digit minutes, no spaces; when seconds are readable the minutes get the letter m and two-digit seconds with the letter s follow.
7h57
